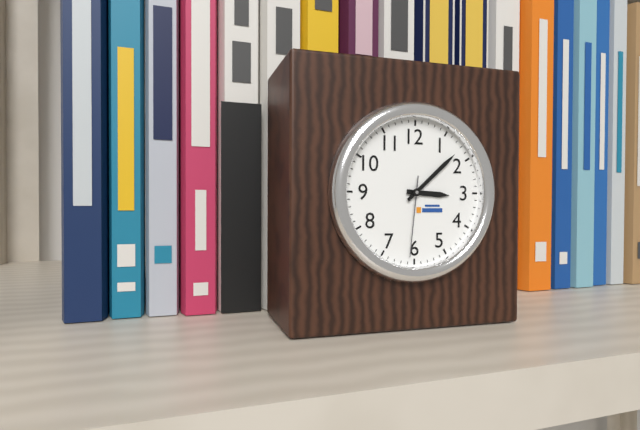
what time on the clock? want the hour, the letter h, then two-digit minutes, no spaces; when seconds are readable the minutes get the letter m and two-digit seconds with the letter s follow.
3h08m31s
